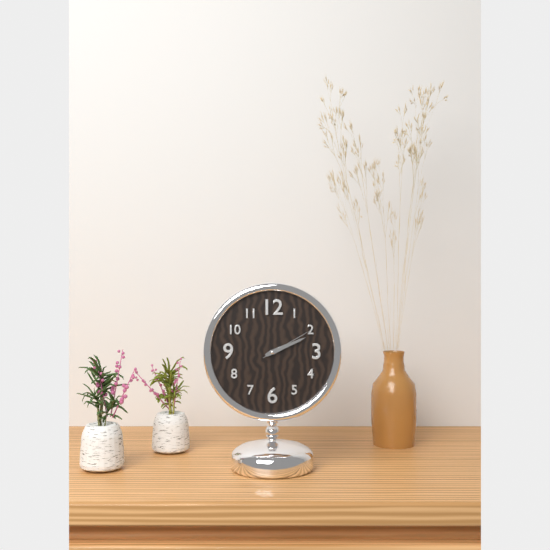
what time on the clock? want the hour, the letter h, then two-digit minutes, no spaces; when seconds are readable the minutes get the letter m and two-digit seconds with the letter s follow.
2h11m10s
